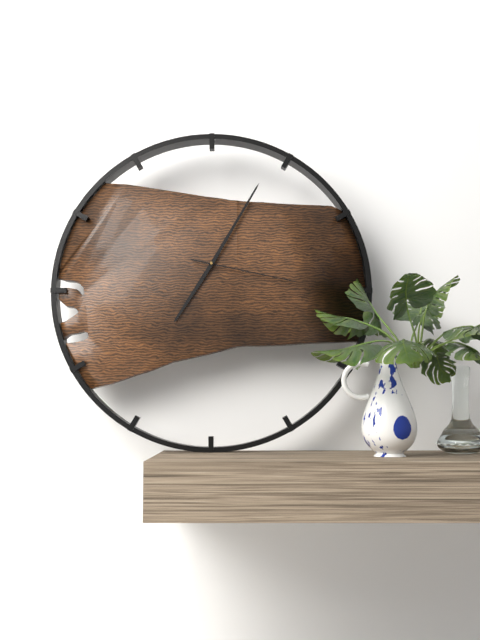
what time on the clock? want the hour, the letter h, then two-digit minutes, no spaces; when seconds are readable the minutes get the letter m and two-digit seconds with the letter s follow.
7h05m17s
